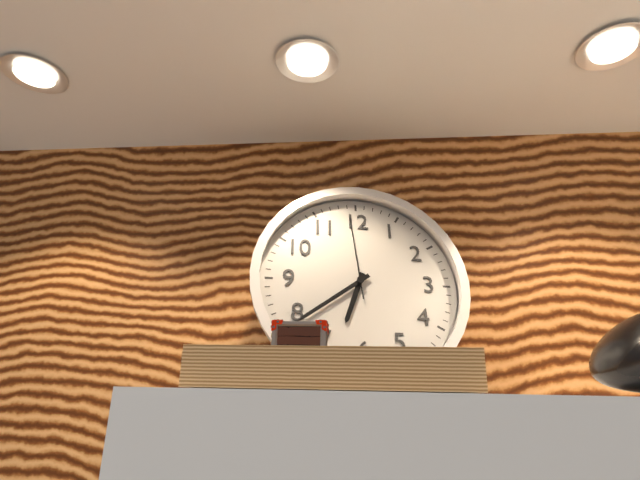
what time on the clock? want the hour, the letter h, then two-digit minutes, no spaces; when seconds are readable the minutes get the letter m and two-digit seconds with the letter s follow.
6h39m59s
